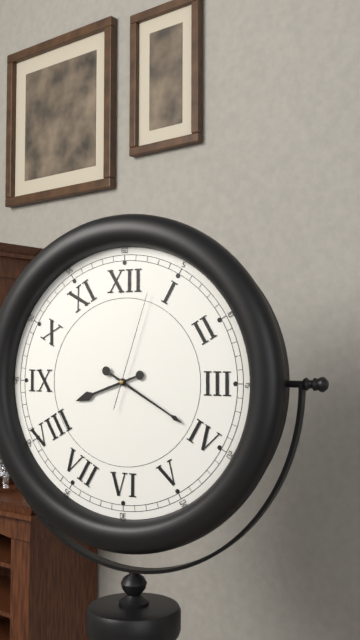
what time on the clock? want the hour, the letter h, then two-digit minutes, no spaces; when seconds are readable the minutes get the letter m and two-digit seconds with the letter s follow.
8h20m03s
